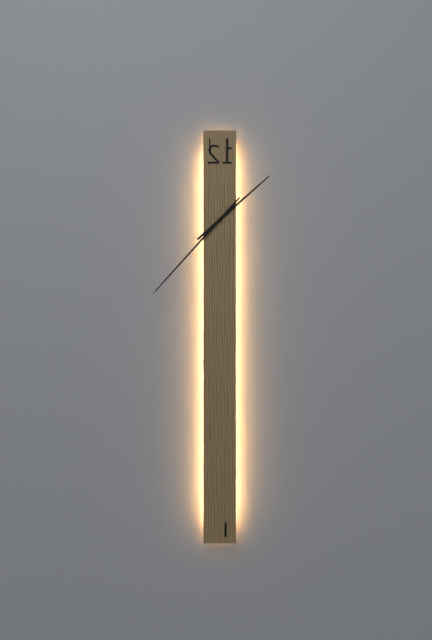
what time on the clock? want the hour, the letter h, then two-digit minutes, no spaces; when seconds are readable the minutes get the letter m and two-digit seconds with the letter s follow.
1h37
